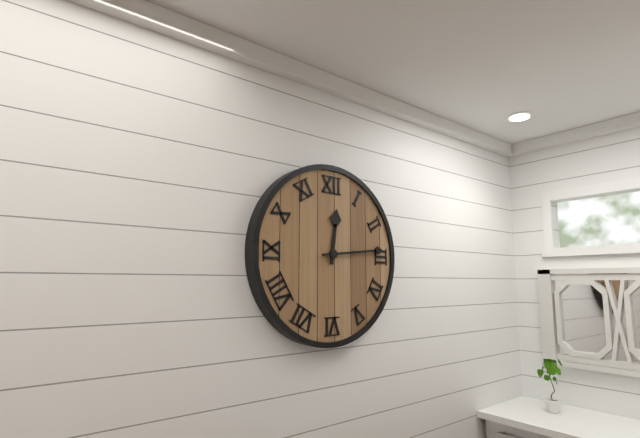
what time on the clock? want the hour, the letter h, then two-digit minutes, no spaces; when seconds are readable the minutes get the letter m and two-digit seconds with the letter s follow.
12h14
